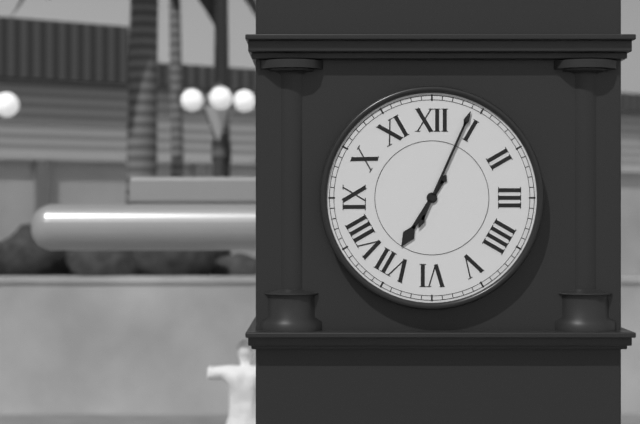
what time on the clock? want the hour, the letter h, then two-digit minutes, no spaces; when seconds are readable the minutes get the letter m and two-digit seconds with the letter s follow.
7h04
